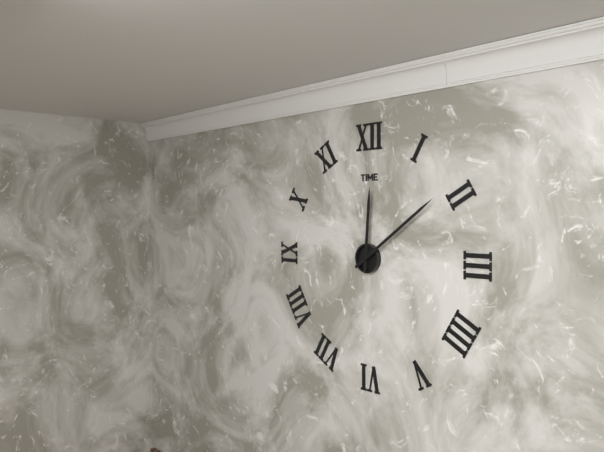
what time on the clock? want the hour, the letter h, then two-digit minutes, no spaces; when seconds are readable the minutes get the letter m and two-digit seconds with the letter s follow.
12h09
